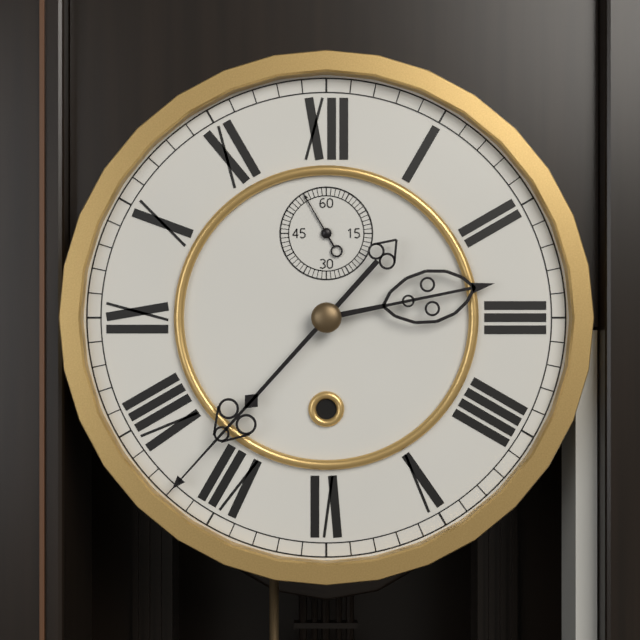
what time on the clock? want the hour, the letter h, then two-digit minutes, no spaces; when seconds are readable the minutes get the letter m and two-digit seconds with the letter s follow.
2h37m55s
